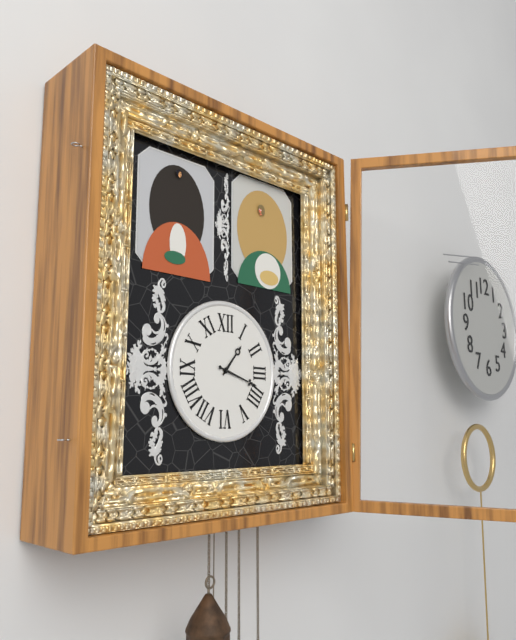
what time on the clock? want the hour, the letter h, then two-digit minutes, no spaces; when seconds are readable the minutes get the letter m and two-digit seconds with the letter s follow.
1h18
